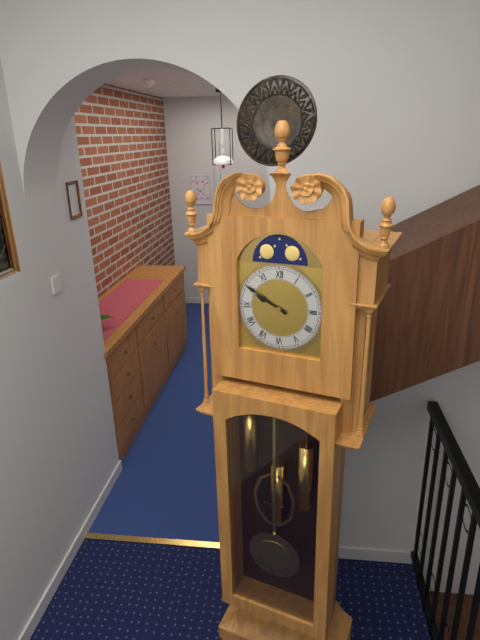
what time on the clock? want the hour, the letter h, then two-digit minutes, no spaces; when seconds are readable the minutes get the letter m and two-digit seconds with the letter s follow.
9h50
